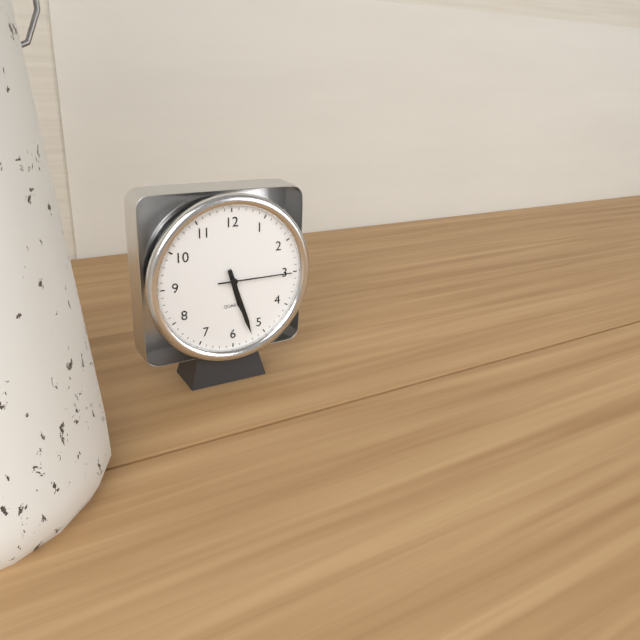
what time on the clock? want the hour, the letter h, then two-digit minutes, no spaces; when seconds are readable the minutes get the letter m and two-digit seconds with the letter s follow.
5h27m15s
